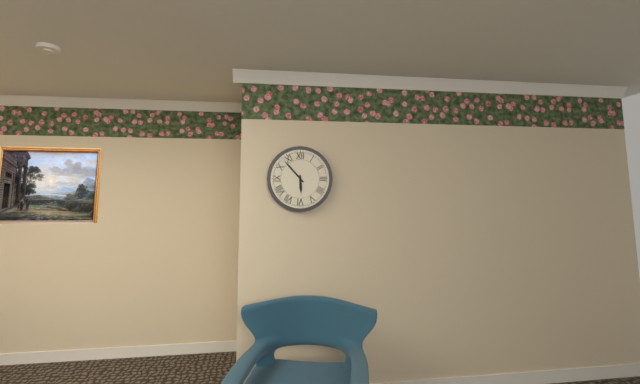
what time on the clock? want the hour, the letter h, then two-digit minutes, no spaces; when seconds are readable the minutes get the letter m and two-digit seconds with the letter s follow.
5h53
